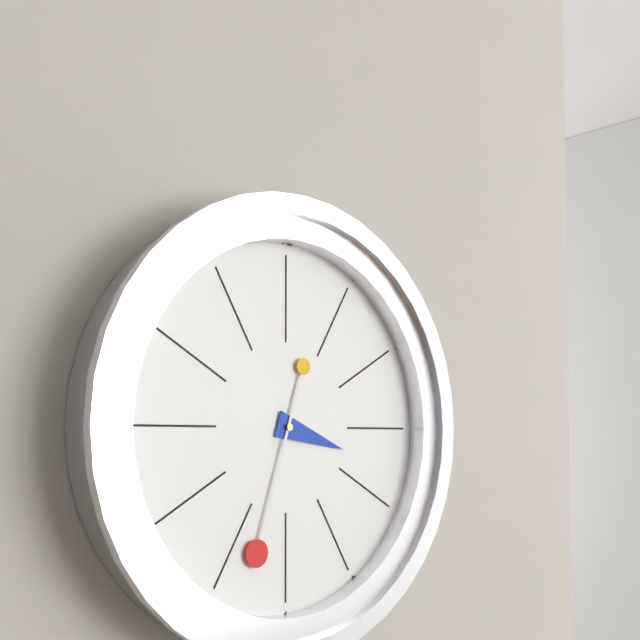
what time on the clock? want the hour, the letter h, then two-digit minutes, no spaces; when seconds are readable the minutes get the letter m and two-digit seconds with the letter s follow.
3h33
